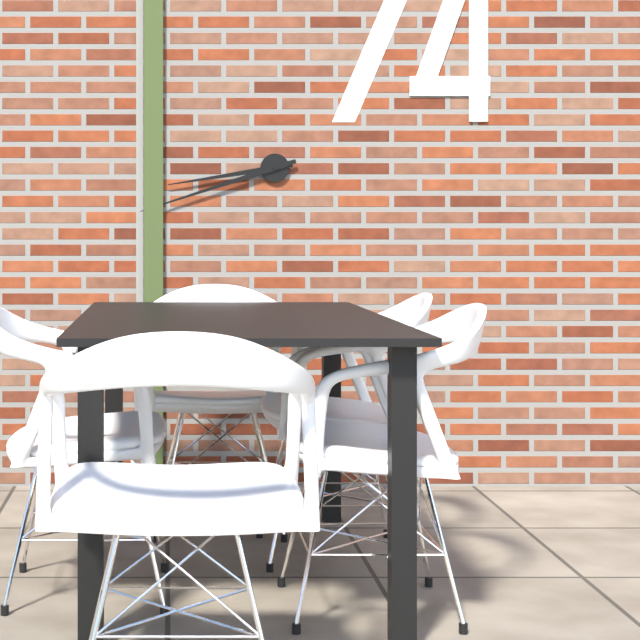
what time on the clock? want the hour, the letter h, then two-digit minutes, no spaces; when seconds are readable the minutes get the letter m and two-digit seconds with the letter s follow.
8h42
